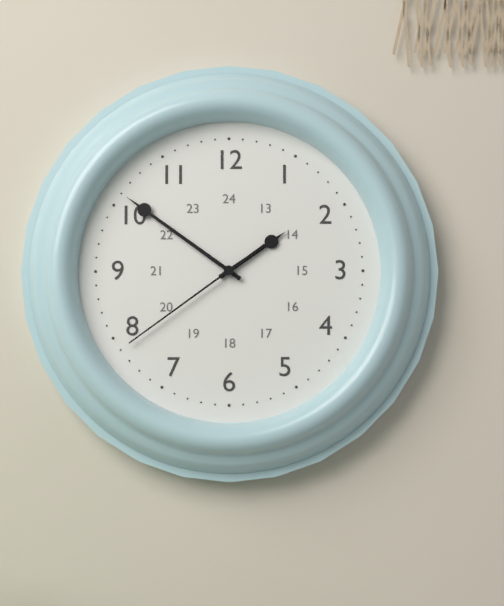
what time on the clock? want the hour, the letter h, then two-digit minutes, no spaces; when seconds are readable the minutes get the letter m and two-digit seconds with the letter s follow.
1h51m39s
